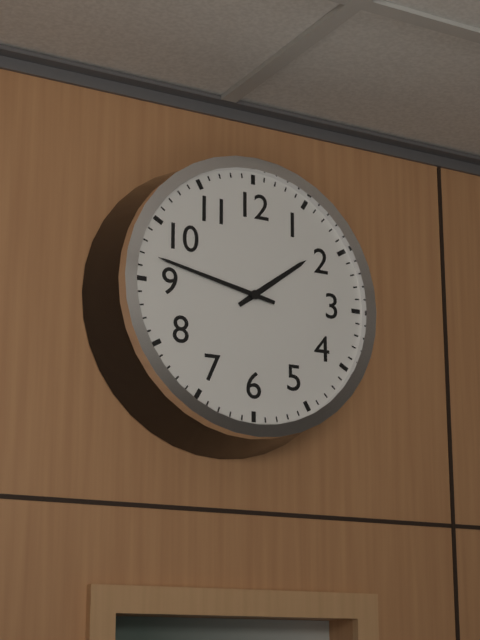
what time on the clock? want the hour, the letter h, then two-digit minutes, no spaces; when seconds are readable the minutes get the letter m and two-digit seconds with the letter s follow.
1h47
